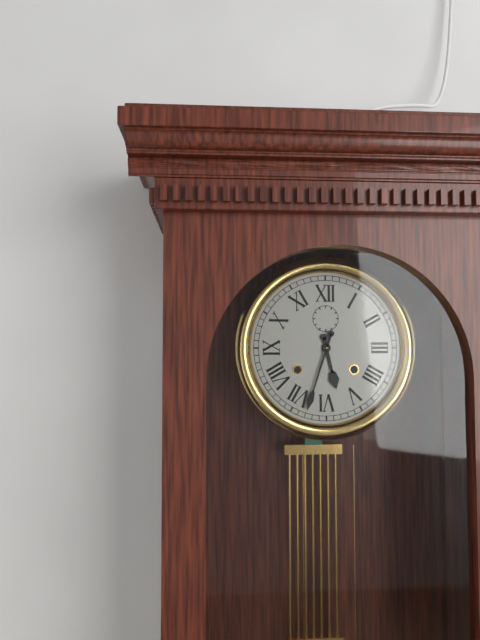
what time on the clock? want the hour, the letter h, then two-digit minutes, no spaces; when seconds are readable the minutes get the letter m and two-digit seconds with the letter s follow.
5h33
